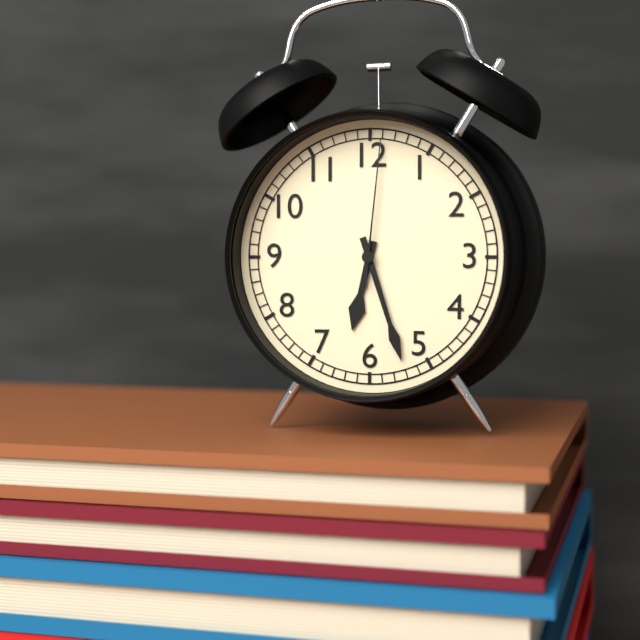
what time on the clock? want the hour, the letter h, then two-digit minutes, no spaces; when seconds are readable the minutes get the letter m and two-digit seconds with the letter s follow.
6h27m01s
